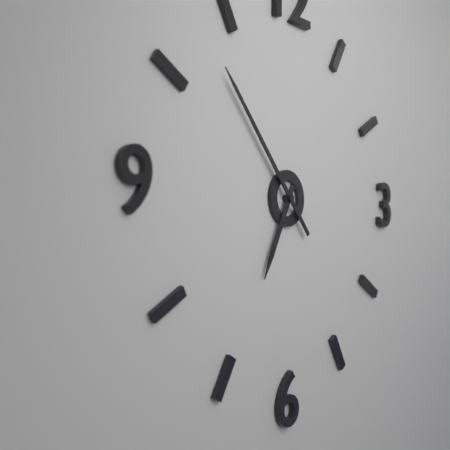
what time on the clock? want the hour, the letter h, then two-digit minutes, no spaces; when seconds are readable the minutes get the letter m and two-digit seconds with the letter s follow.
6h53
